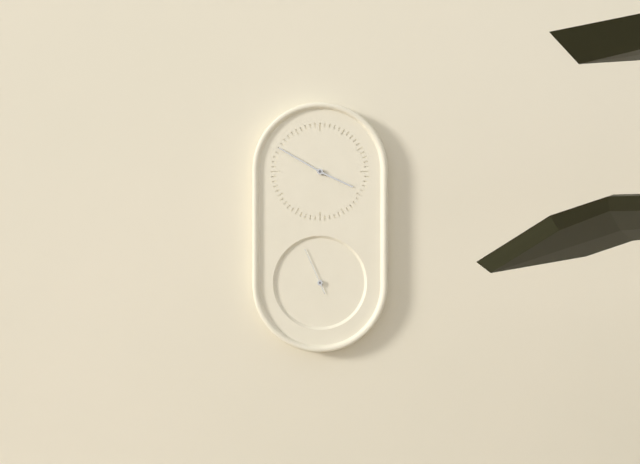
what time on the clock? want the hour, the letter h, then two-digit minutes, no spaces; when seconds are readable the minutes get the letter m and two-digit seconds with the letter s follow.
3h50
